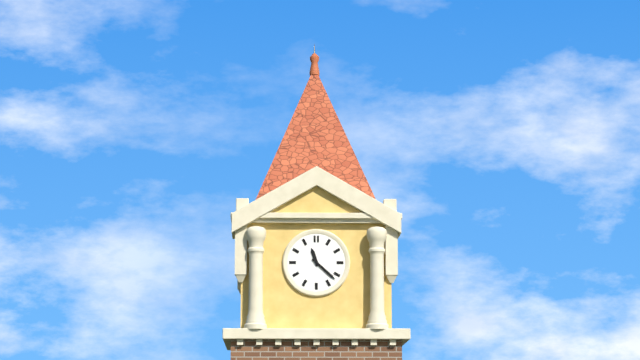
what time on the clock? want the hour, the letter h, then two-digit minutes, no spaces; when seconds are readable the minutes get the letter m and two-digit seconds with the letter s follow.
11h22
